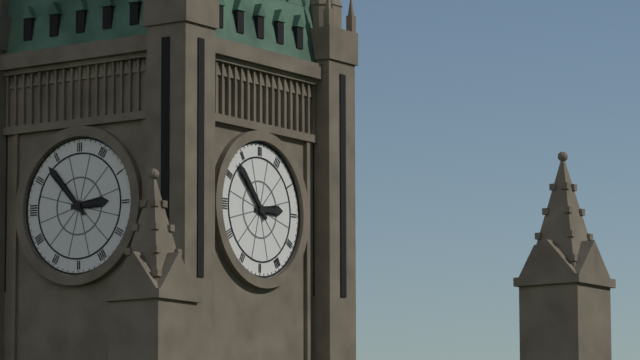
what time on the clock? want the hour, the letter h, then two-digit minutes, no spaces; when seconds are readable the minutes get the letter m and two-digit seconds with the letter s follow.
2h53
